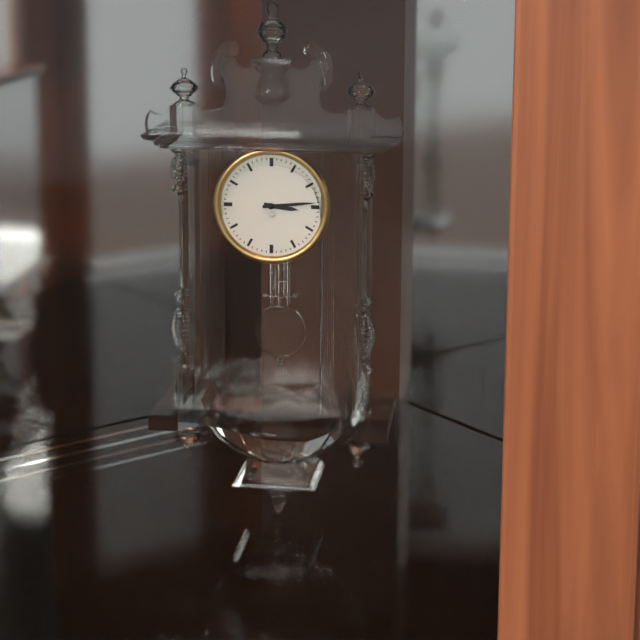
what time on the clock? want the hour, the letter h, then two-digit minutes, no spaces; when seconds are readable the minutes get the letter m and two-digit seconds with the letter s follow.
3h14
